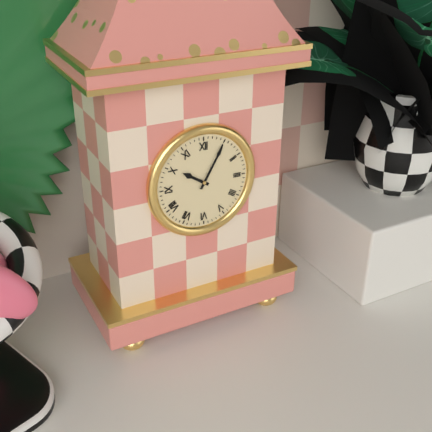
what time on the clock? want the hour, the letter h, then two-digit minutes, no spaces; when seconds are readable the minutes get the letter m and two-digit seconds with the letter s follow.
10h05
